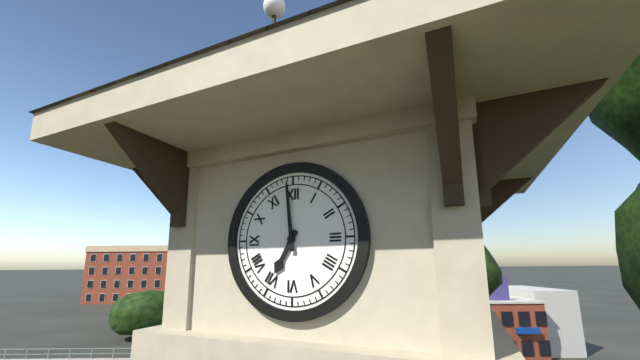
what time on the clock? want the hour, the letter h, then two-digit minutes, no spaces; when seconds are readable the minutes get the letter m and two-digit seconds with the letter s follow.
6h59
